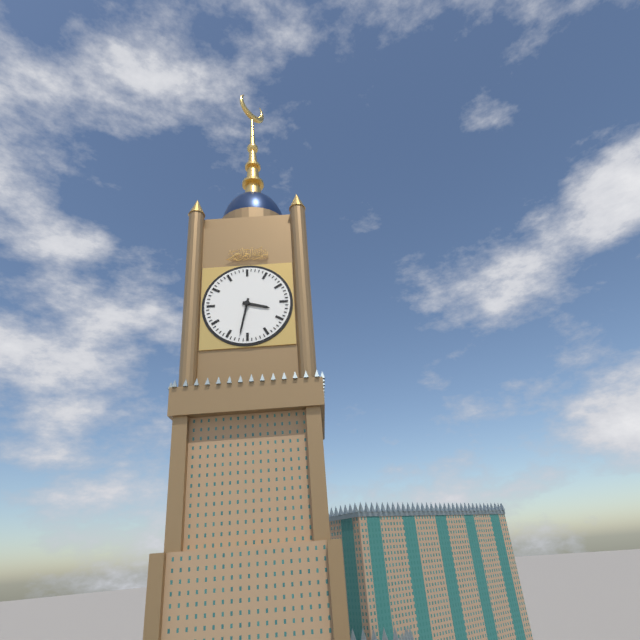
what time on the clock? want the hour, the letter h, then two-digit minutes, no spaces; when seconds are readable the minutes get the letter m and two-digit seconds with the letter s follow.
3h32
